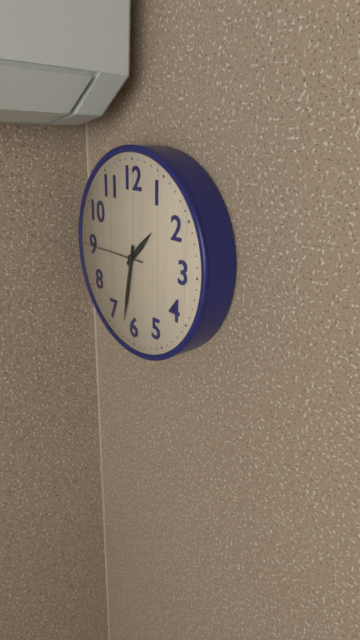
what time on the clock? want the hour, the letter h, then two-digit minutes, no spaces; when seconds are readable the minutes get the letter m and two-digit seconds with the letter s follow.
1h32m45s
